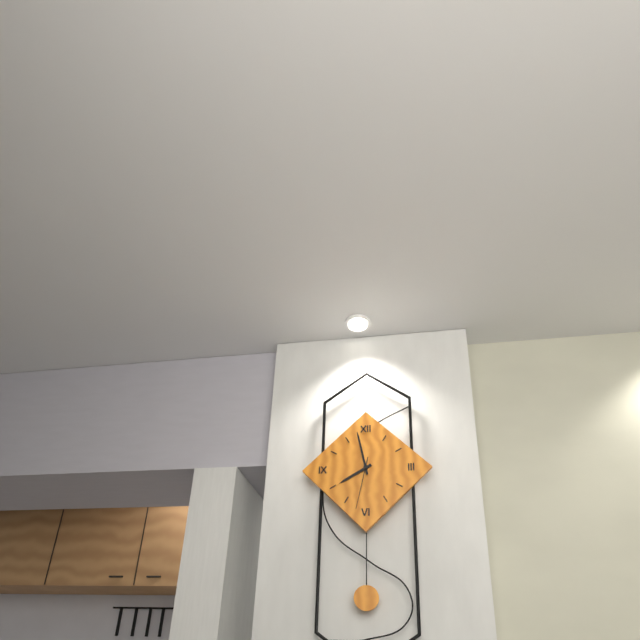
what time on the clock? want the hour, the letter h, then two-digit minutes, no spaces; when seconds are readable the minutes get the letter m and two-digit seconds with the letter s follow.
7h58m32s
